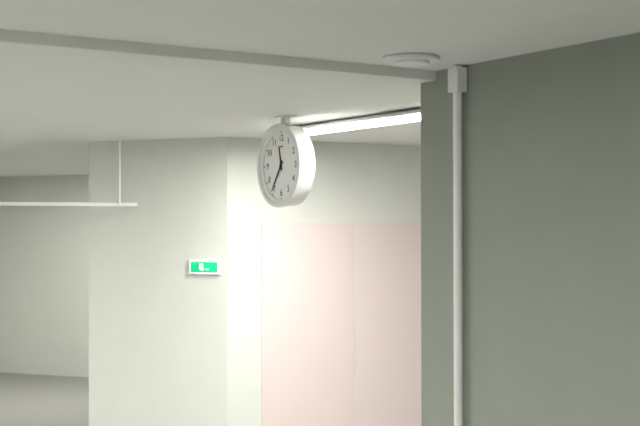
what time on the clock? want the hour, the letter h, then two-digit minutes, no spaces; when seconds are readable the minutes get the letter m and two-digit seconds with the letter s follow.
11h36
